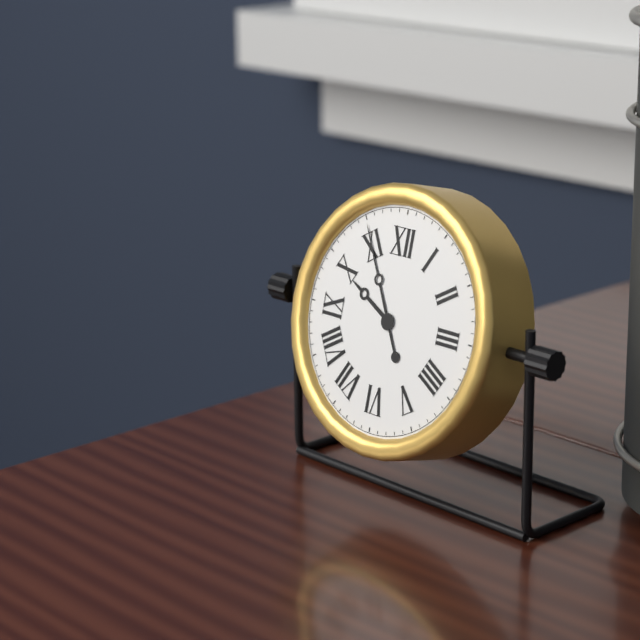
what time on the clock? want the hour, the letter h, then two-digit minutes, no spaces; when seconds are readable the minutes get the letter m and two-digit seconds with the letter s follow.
9h55
